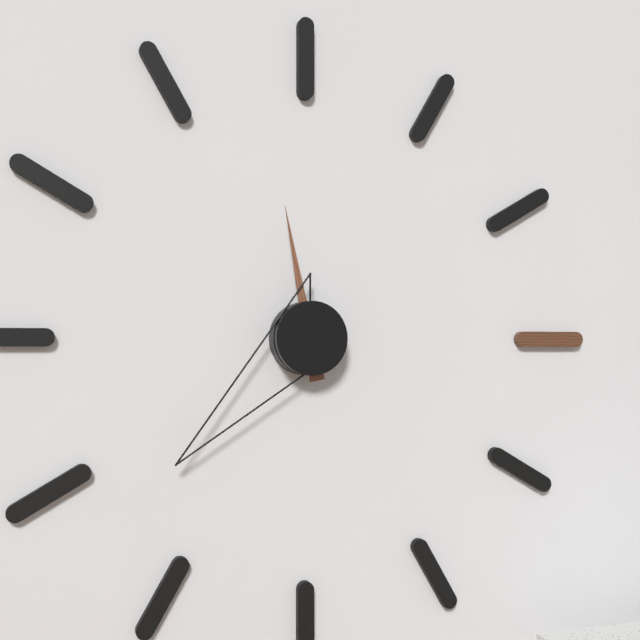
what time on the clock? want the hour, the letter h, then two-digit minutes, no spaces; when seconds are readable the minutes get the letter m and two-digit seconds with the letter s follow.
11h38
